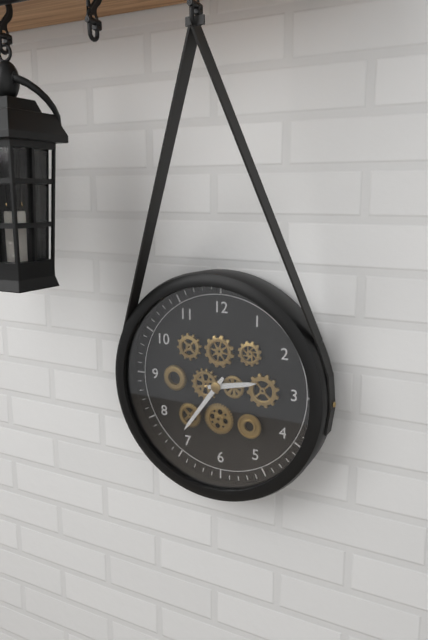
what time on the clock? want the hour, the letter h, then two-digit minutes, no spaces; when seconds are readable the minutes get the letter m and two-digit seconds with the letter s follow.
2h36
